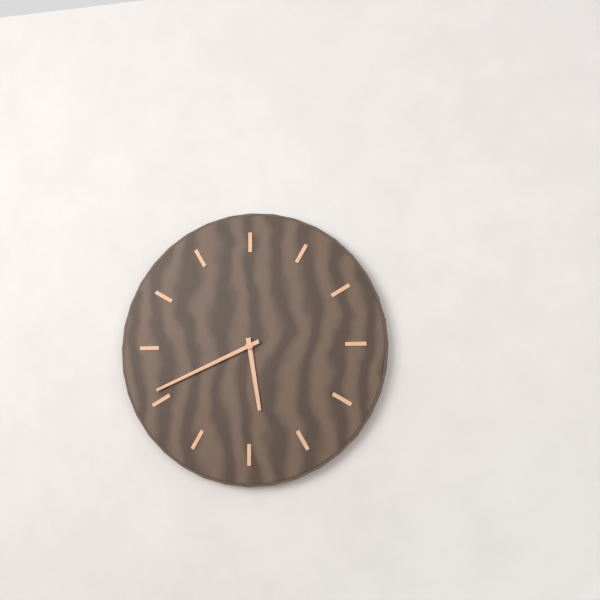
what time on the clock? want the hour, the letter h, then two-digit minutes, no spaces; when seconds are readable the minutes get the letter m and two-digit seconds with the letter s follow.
5h41
